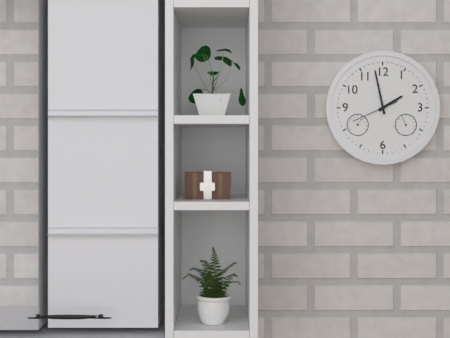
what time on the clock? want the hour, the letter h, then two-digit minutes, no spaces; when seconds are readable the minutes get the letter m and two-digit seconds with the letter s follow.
1h58
